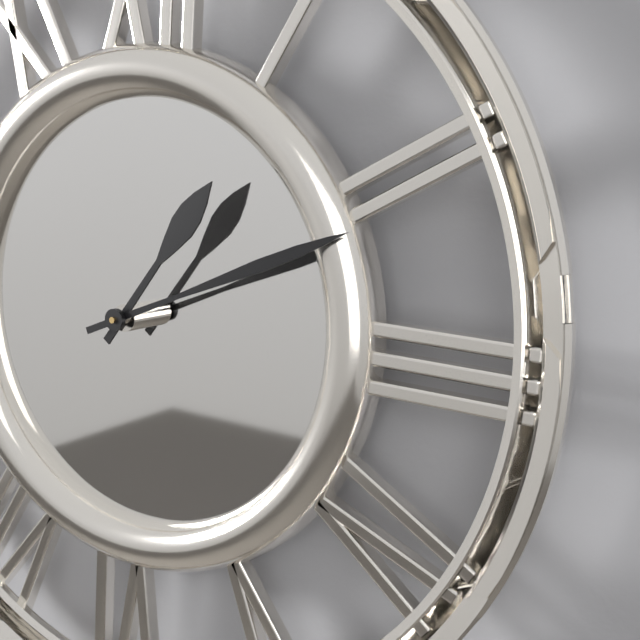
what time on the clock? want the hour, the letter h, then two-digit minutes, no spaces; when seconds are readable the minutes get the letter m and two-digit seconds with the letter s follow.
1h11
